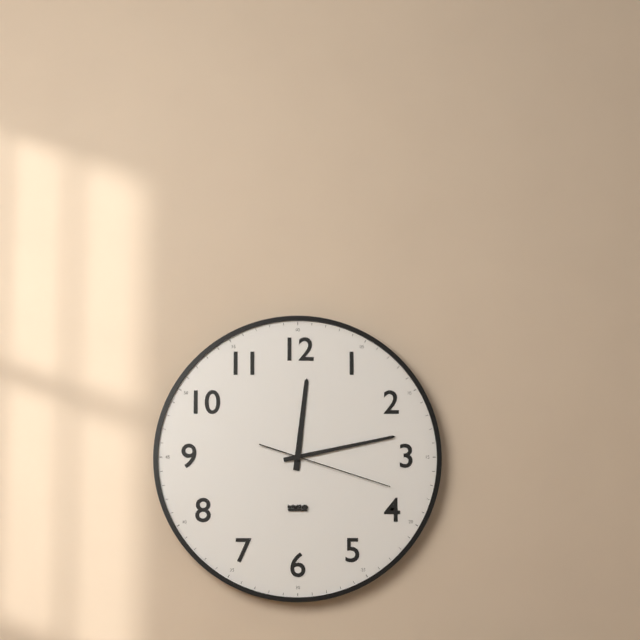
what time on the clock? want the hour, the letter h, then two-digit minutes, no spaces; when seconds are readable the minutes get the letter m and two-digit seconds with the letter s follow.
12h13m18s
